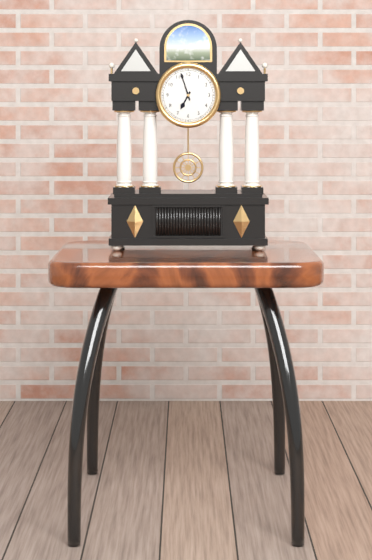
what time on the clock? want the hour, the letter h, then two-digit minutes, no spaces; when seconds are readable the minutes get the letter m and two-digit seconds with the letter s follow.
6h57
